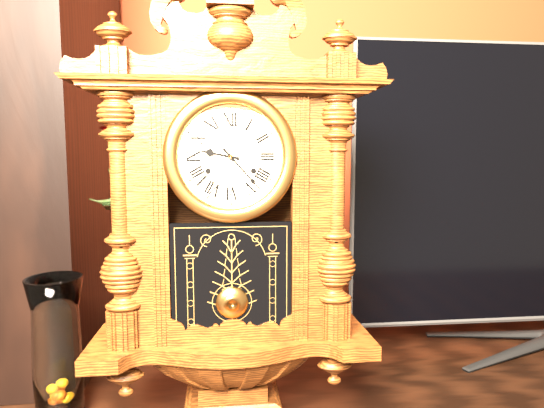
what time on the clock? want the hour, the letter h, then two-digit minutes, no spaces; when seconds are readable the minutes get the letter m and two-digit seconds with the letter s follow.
9h23
